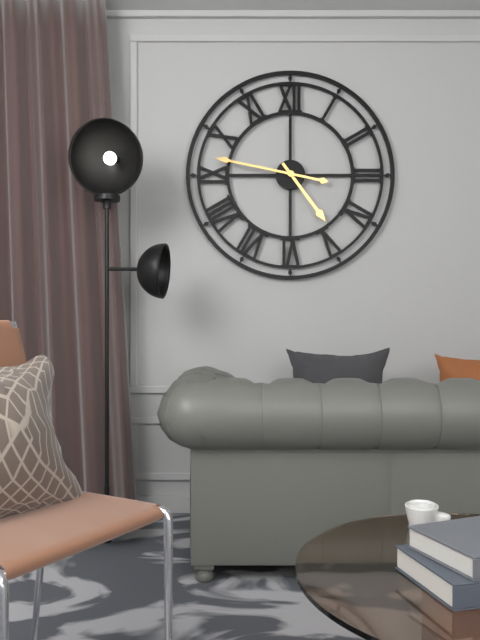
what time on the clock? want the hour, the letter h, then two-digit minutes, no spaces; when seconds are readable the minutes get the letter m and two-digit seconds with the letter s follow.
4h47
